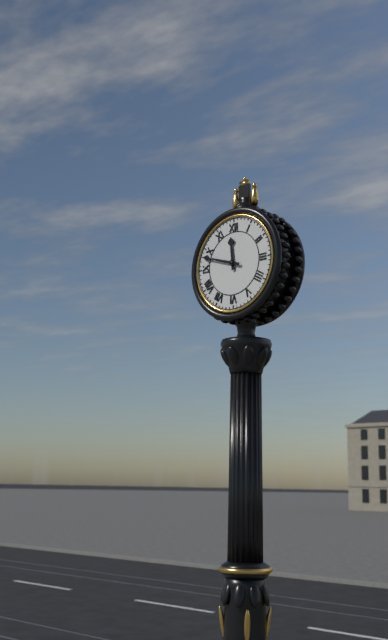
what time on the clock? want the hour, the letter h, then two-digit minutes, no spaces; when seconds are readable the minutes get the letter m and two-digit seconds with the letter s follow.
11h48
